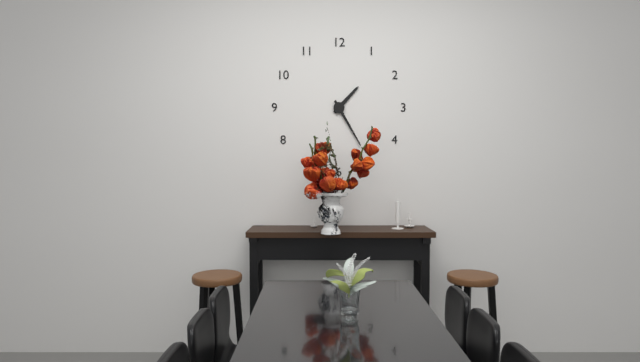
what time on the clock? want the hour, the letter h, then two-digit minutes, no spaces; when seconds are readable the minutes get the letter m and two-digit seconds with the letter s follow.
1h25
